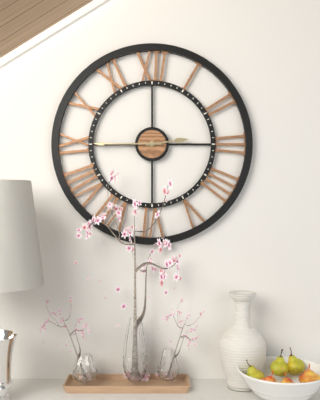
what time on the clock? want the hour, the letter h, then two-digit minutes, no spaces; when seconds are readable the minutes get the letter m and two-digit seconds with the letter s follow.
2h45
